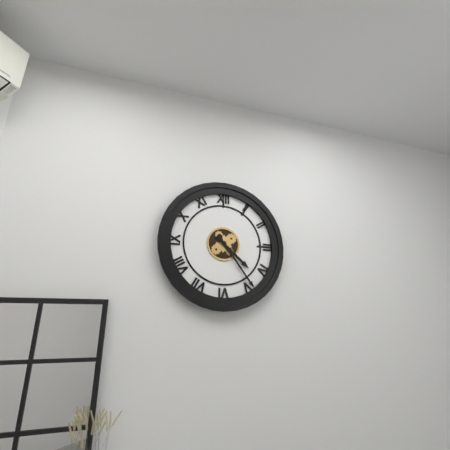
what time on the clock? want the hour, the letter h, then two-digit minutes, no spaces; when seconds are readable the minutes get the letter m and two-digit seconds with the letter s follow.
4h24
